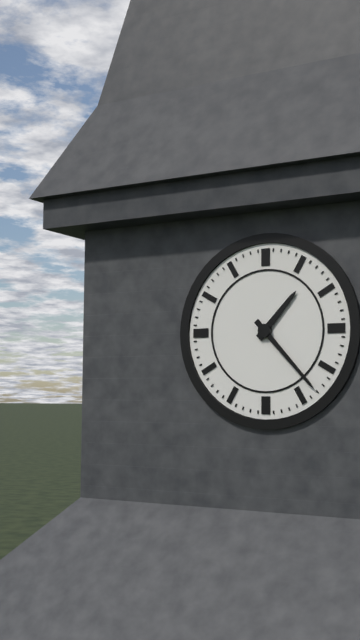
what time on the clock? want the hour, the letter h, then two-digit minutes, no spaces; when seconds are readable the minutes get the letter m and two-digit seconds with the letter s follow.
1h23
